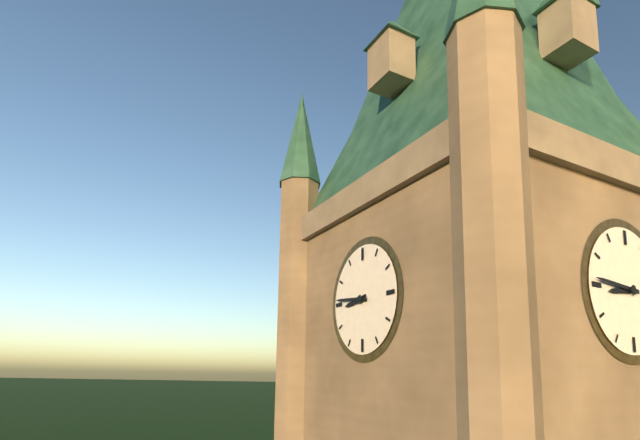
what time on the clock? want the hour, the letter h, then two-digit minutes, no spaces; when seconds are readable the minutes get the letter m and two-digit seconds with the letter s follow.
8h46
